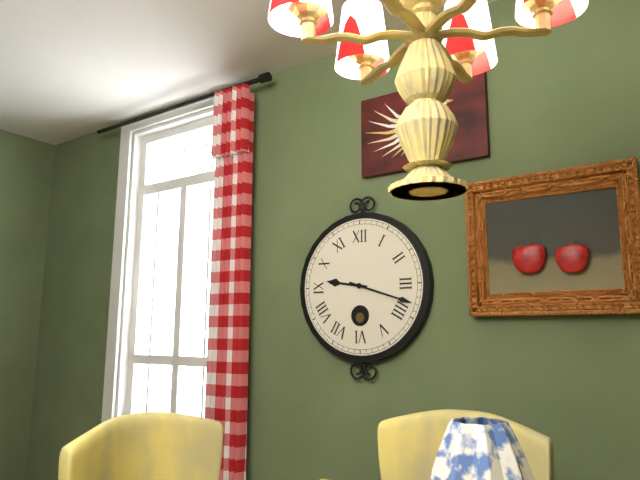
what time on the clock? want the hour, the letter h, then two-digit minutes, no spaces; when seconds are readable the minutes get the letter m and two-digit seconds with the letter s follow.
9h18
